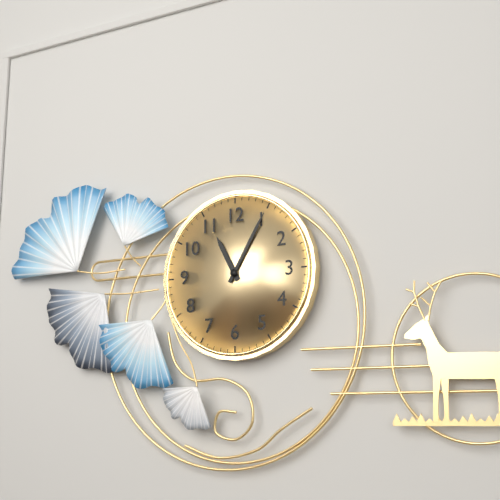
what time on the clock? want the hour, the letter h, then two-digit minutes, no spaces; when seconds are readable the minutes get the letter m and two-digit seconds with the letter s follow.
11h05
